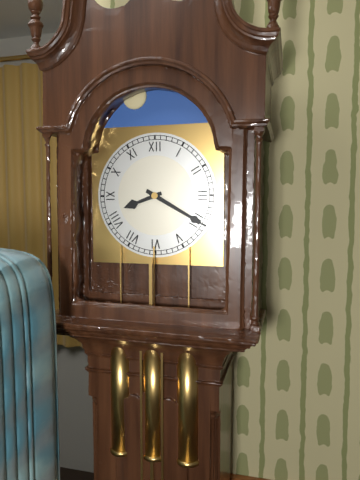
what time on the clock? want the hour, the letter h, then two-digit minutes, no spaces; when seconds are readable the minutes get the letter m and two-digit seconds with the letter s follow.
8h20
